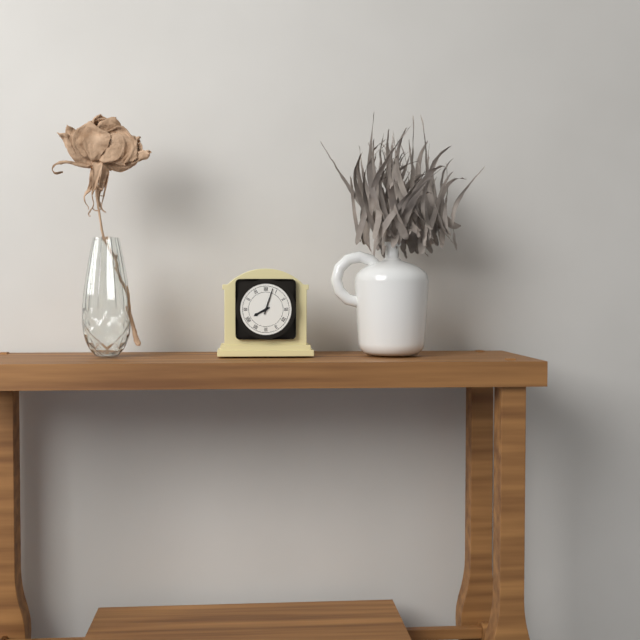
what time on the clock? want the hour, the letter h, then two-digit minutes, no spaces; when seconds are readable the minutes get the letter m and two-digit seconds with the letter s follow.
8h03
